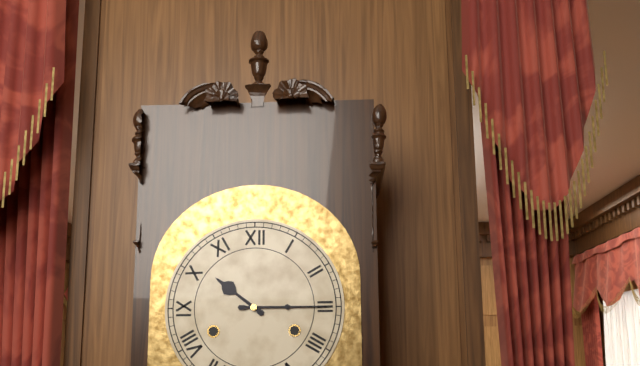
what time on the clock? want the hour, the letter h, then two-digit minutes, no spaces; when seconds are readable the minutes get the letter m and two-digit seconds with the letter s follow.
10h15
